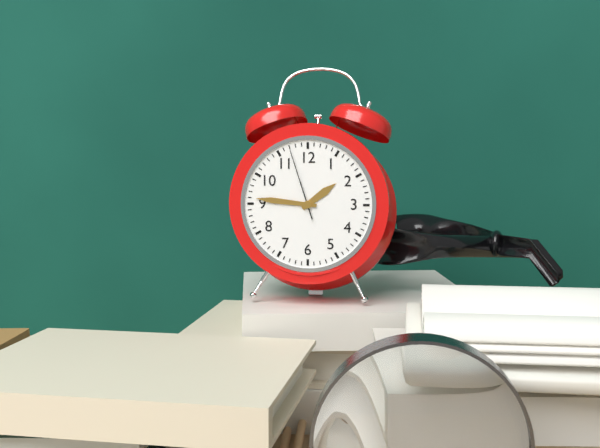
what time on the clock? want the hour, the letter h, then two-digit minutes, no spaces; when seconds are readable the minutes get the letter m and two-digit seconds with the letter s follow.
1h46m57s
